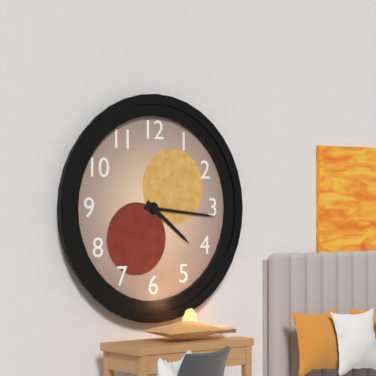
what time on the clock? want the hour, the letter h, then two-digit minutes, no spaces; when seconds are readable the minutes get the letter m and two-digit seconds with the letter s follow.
4h16
